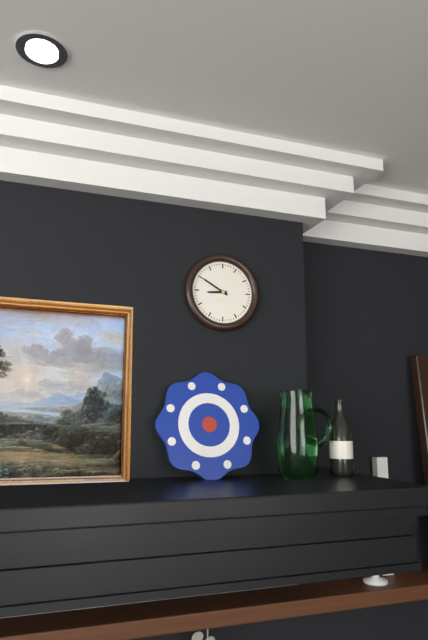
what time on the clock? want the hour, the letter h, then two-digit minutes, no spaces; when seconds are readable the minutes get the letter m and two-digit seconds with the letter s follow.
8h50
